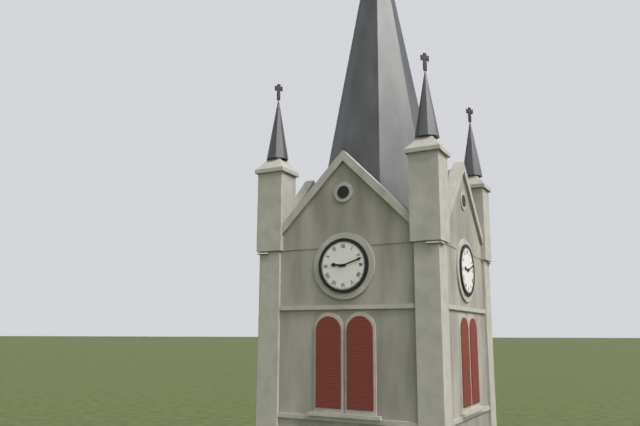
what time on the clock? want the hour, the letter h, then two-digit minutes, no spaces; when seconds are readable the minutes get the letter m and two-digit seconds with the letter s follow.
9h12
